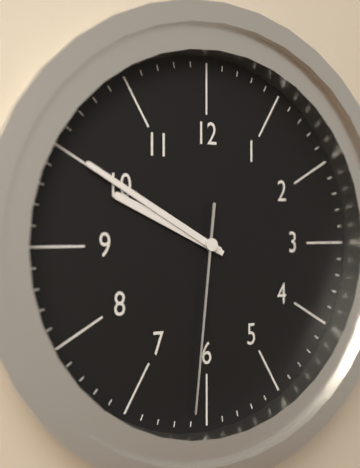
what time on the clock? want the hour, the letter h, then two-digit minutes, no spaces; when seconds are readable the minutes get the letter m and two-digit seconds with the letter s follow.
9h50m31s
